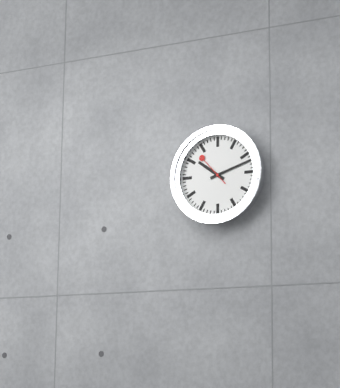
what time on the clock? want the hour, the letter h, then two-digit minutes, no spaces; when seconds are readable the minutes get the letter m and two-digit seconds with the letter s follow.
10h12
